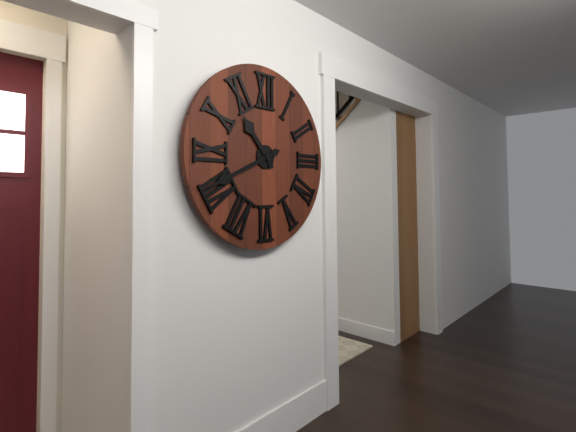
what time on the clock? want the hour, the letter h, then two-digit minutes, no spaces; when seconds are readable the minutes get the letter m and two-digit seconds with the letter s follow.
10h41
